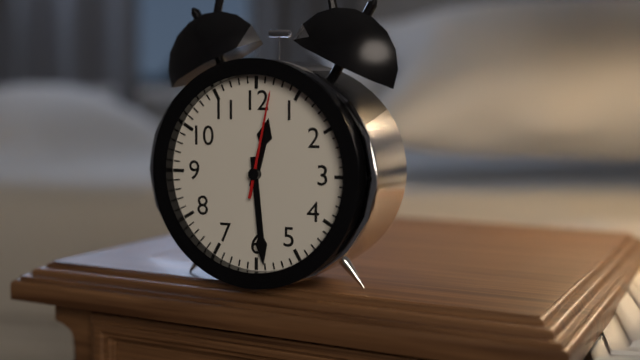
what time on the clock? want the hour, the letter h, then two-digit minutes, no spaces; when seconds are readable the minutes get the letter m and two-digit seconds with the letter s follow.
12h29m02s
